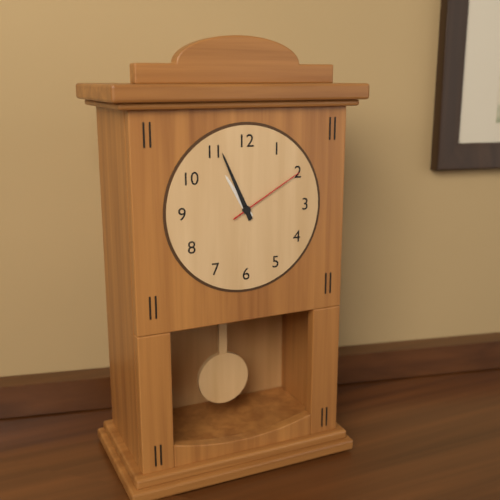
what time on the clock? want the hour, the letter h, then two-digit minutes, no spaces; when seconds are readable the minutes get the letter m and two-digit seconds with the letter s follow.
10h56m10s
